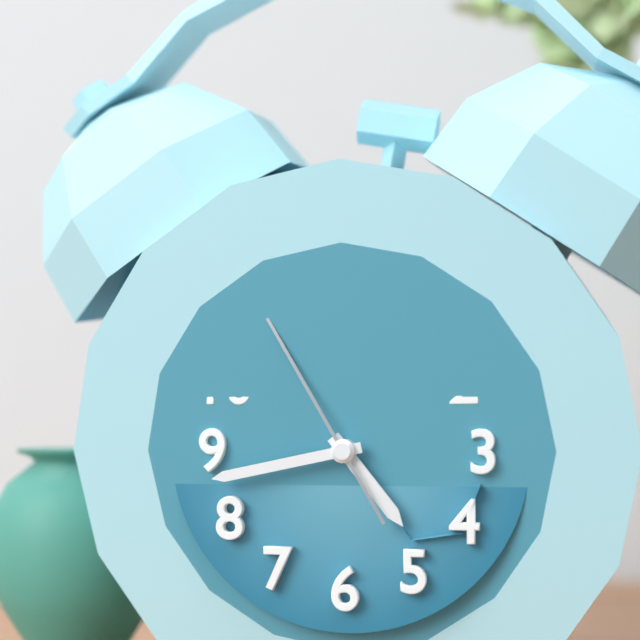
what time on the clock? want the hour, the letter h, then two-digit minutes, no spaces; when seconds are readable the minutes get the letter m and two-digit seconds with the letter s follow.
4h43m55s
